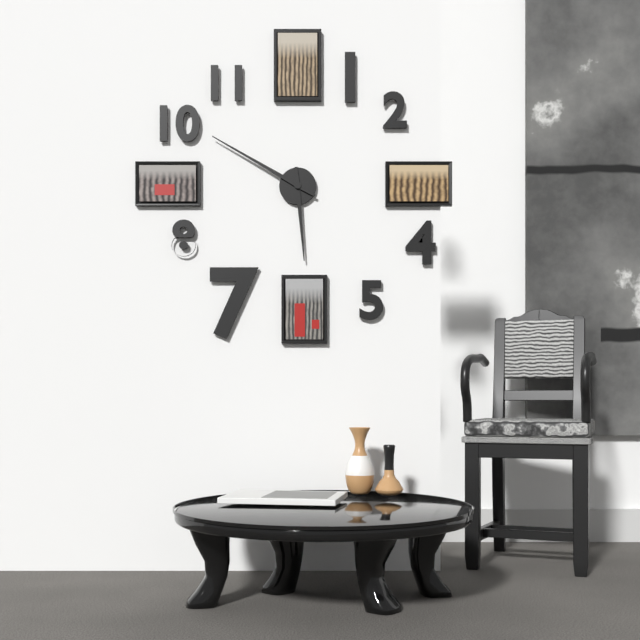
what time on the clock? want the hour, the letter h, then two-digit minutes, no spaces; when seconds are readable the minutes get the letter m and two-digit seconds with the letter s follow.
5h50
